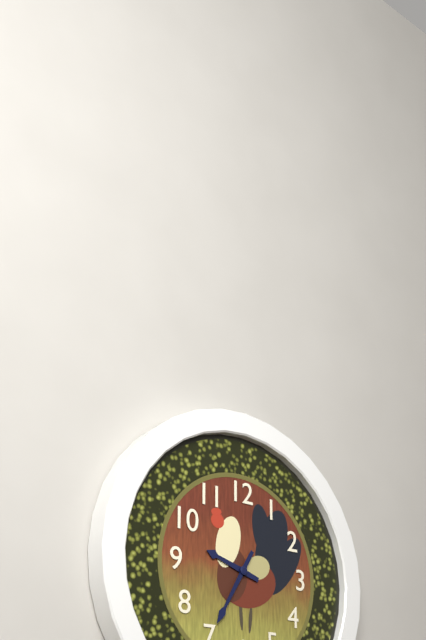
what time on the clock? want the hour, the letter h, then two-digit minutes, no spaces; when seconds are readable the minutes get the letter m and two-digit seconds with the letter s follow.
9h35
